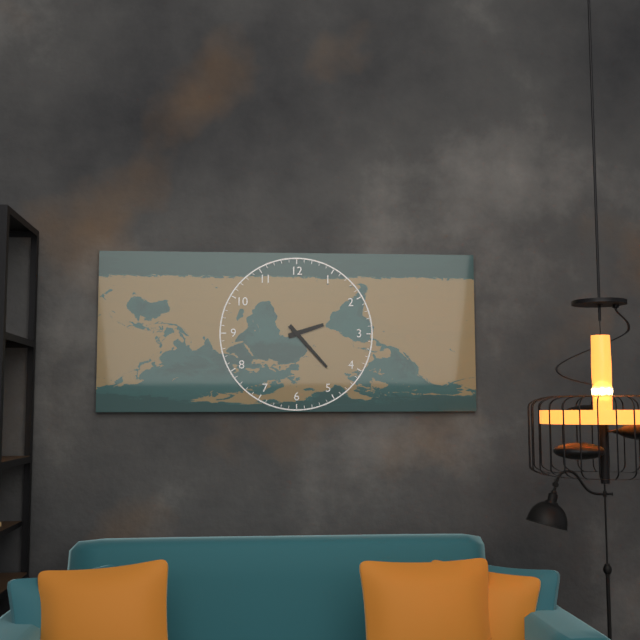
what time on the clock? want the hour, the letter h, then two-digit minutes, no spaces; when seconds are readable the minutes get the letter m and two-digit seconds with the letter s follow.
2h23
